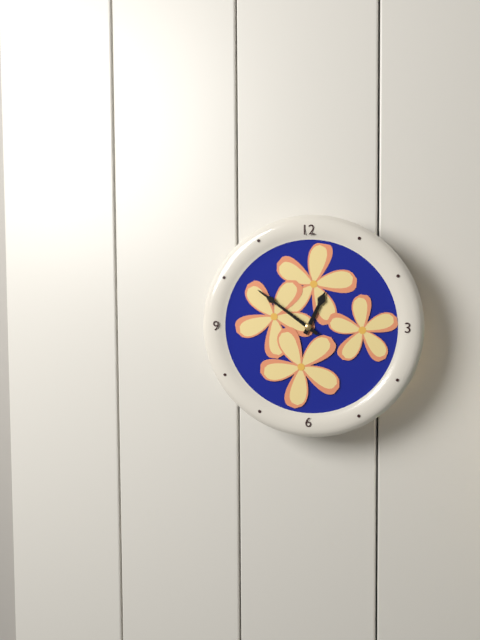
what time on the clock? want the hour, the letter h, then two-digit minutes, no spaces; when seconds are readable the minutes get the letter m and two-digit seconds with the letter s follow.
12h51
